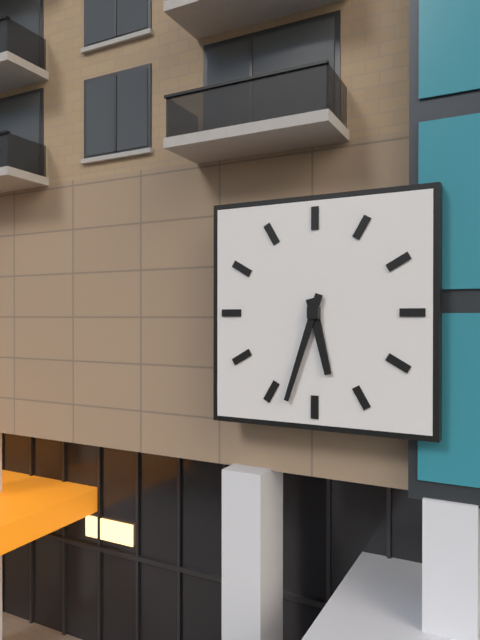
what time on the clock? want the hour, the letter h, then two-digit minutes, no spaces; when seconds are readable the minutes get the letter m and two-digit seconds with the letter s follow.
5h33
